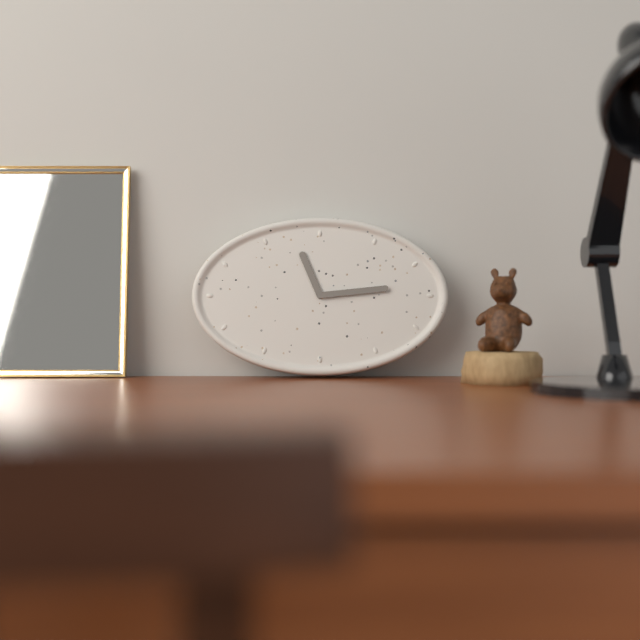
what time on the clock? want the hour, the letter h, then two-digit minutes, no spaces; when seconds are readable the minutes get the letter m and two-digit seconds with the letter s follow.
11h14
